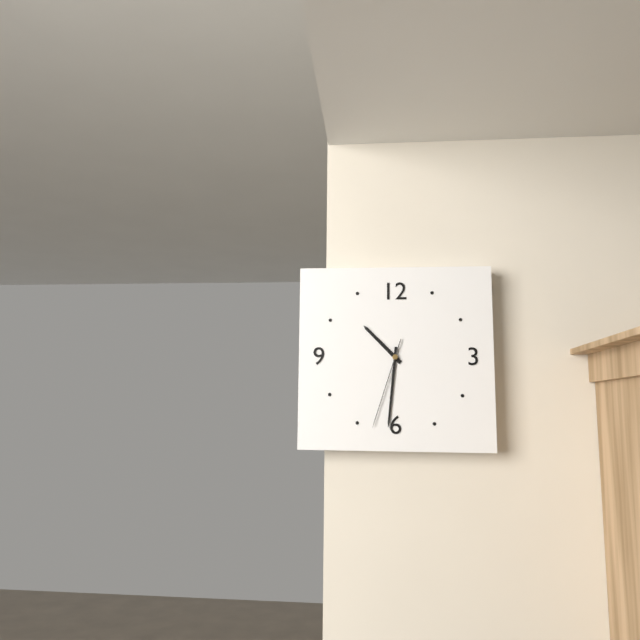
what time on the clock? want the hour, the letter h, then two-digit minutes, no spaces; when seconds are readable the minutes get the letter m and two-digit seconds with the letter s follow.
10h31m33s
